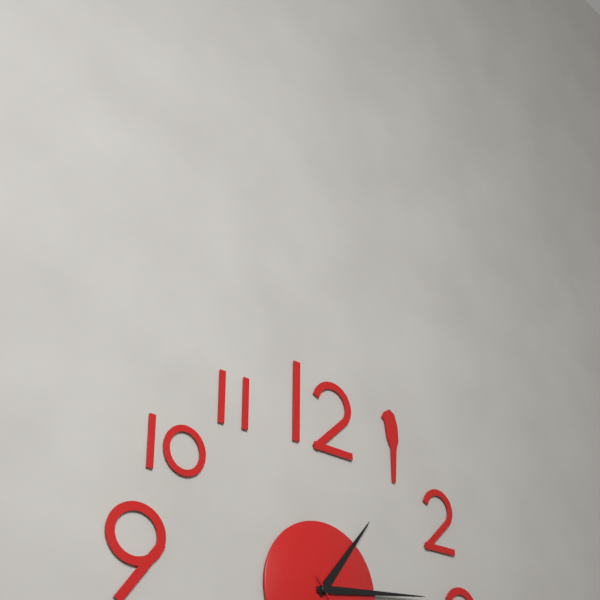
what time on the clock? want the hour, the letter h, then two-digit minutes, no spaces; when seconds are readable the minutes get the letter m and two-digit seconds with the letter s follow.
1h14
